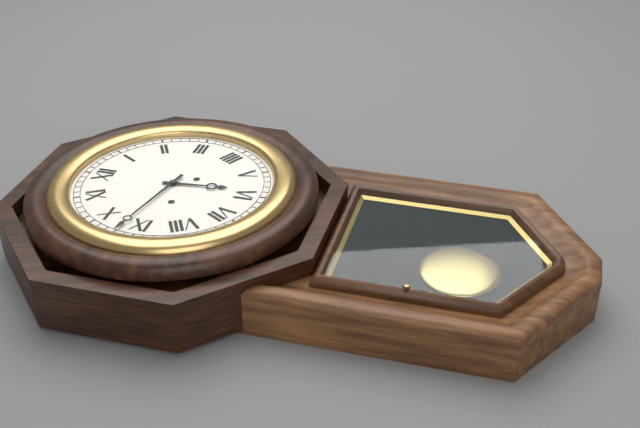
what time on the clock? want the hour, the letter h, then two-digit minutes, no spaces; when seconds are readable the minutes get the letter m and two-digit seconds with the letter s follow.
5h47
